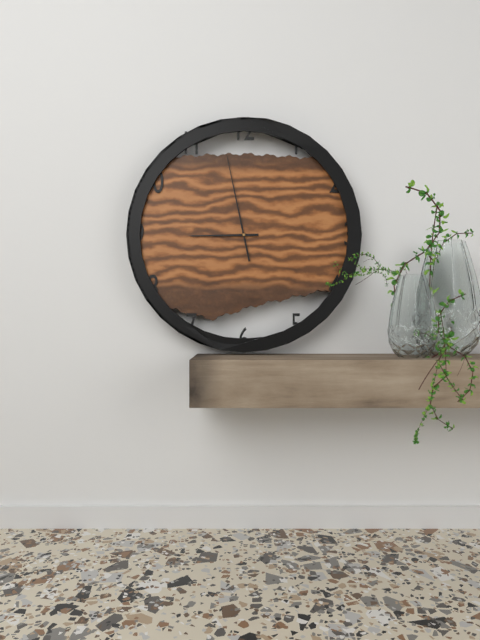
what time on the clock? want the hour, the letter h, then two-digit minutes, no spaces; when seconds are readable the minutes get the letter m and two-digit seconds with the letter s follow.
8h58
